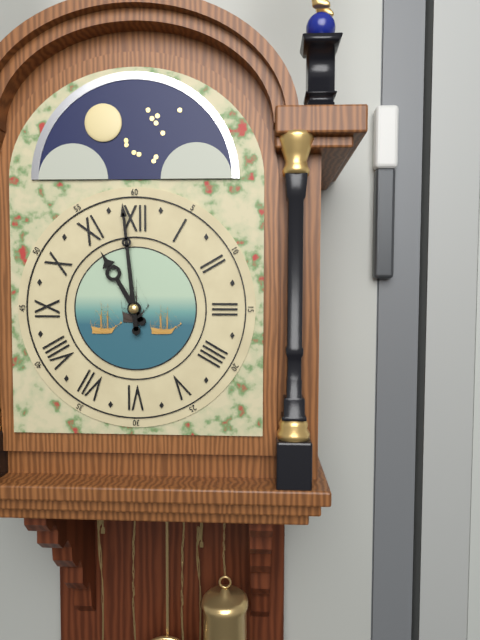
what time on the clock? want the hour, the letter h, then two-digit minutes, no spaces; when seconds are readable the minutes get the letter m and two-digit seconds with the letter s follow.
10h59
